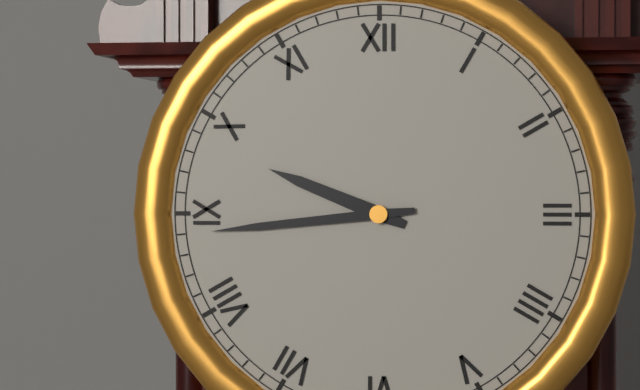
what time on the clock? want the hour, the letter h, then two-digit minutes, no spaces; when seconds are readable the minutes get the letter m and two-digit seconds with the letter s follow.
9h44
